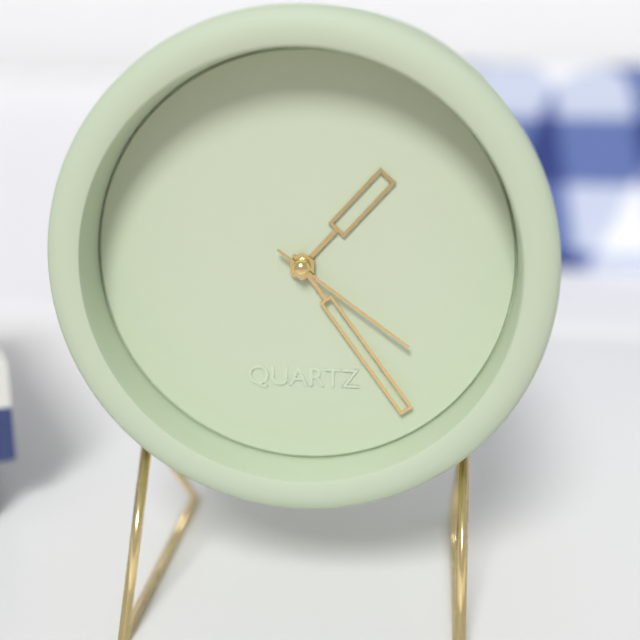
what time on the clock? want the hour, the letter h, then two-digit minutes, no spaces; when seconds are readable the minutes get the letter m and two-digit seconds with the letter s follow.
1h24m21s
